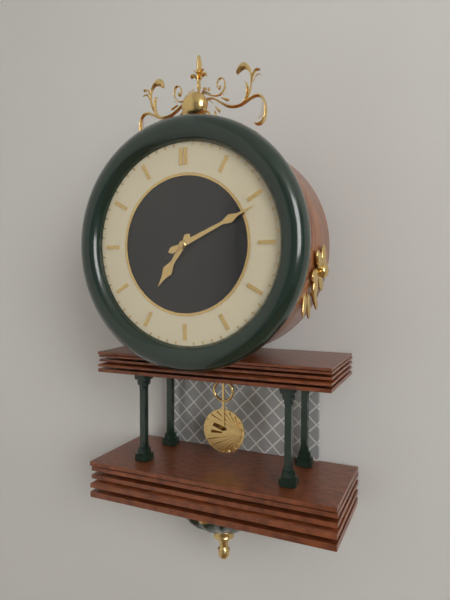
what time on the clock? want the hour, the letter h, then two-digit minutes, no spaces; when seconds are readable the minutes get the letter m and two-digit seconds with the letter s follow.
7h11
